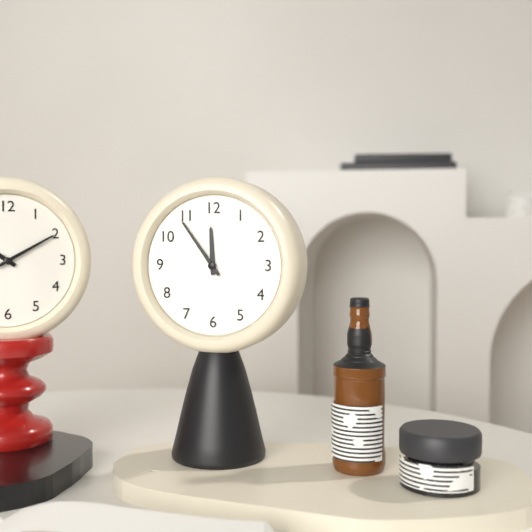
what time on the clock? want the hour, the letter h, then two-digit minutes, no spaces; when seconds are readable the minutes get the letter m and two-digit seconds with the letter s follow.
11h54
